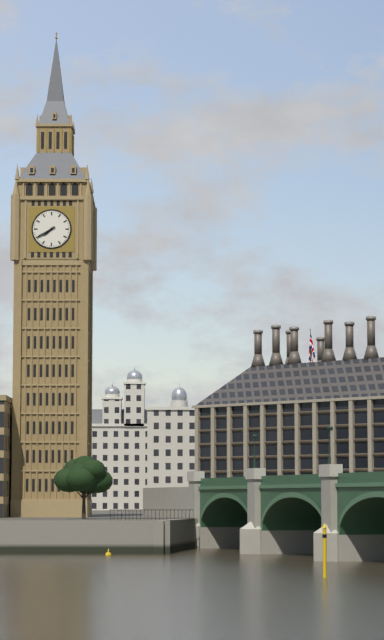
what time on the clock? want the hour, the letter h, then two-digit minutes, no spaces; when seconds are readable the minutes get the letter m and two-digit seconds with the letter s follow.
7h40
